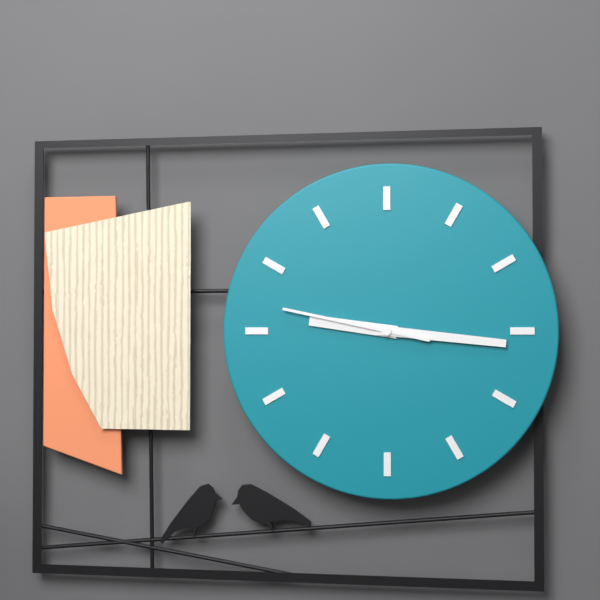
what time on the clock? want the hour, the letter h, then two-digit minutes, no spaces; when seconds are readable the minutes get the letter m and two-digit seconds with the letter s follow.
9h16m47s
